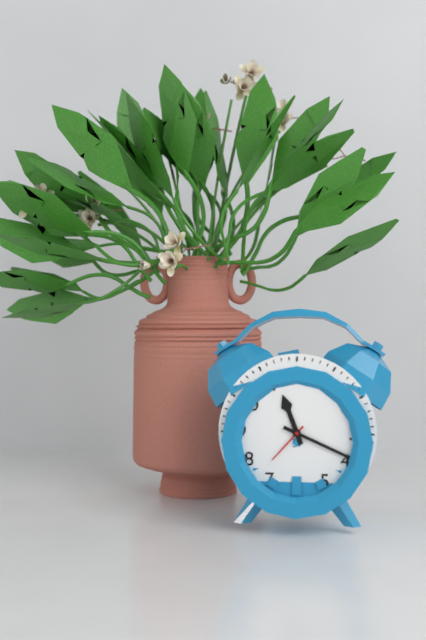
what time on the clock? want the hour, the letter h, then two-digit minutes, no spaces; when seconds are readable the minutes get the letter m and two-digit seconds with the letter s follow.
11h19
